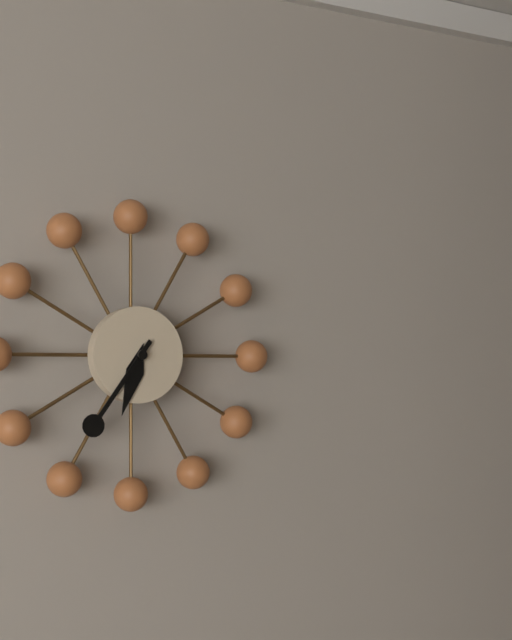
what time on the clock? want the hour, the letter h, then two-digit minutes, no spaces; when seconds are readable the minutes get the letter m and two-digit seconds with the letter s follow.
6h36
